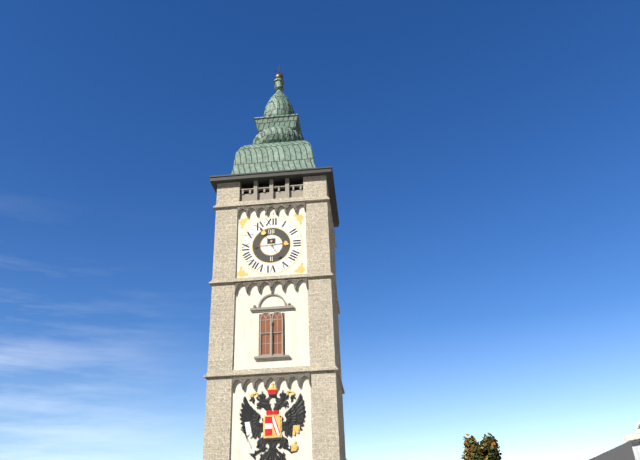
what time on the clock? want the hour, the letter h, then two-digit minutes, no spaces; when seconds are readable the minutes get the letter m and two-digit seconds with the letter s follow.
2h55
